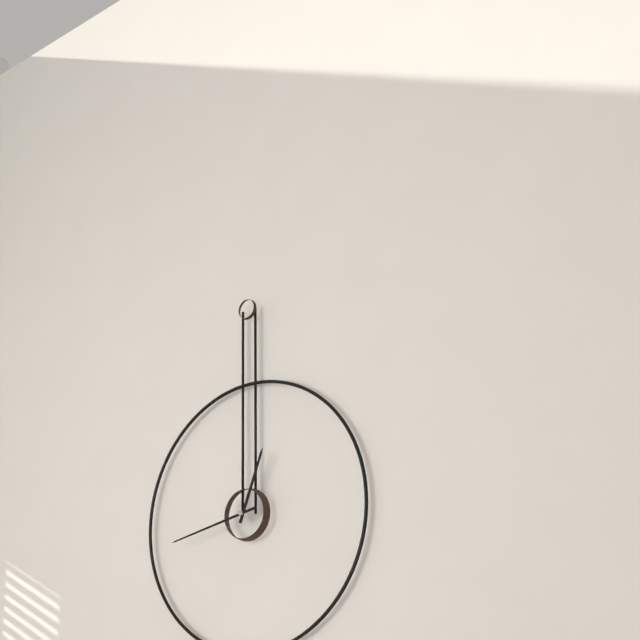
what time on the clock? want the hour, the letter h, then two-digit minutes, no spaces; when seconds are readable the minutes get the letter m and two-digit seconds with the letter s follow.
12h43
